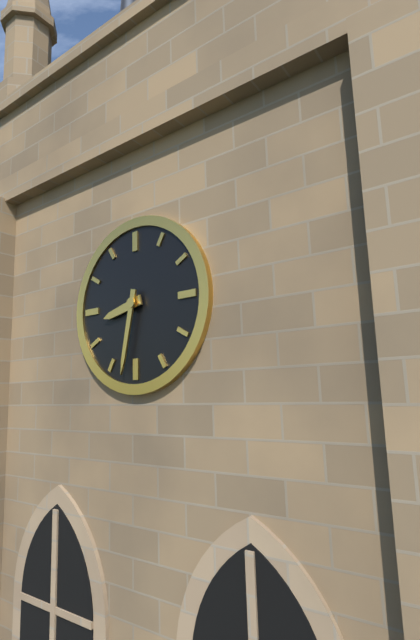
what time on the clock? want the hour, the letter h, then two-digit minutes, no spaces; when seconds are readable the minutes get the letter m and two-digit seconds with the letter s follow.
8h32
